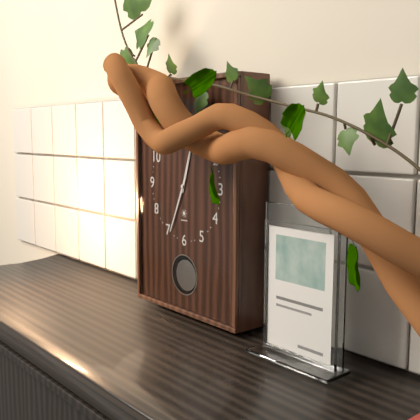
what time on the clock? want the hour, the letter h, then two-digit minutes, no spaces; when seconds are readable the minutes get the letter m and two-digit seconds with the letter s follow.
12h34
